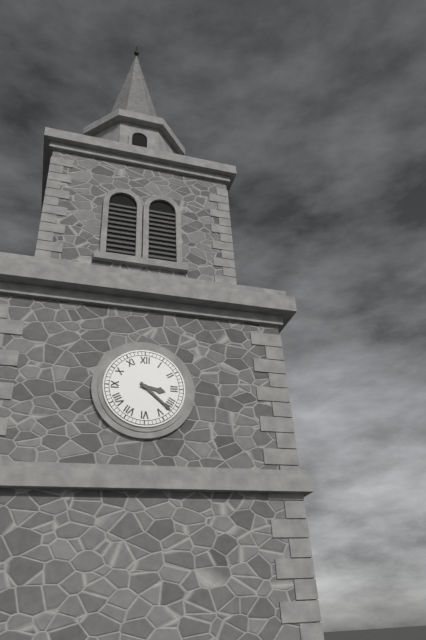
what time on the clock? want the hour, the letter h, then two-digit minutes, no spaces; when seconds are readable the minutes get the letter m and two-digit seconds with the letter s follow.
3h22
